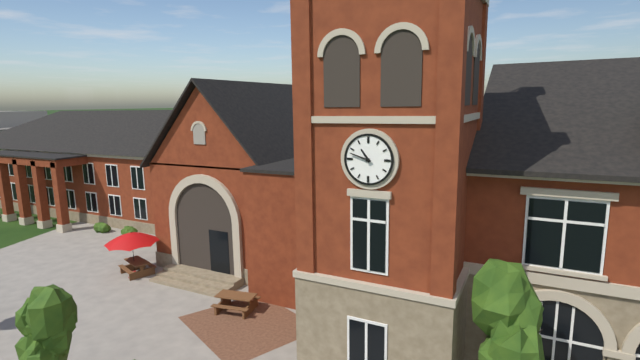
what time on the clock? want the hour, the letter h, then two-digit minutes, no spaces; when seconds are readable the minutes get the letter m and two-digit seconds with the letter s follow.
10h48
